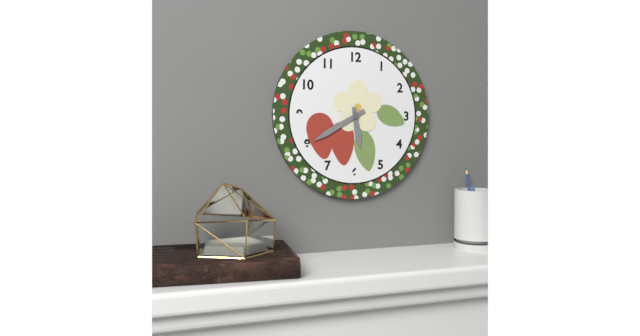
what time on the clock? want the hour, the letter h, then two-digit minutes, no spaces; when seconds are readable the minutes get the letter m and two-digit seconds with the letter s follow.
5h40
